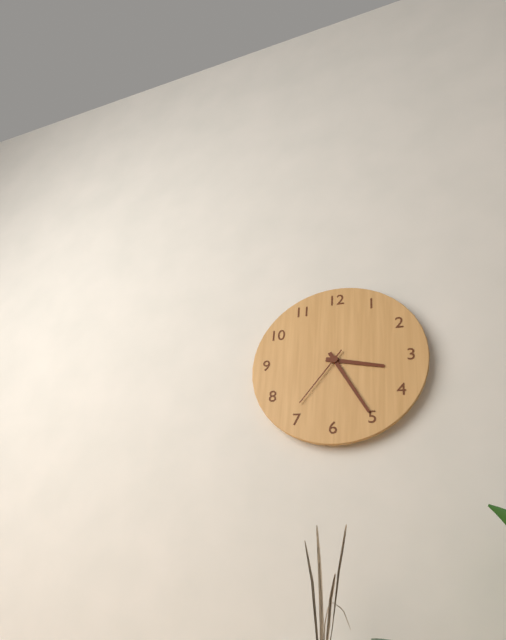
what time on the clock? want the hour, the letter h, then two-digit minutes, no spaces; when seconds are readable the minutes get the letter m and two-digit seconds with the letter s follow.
3h25m36s
